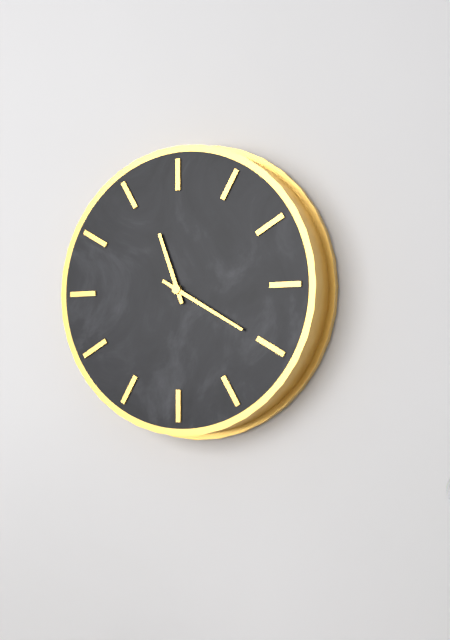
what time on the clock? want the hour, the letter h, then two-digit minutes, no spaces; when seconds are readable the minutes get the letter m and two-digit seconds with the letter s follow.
11h20
